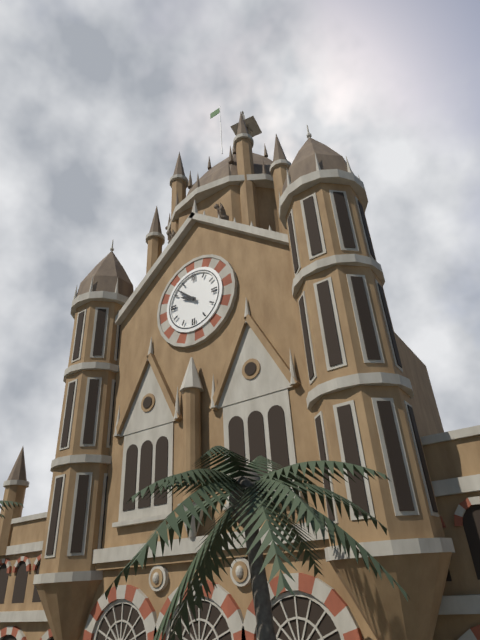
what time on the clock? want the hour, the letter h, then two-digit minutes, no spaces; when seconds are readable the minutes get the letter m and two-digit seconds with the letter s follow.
9h52
